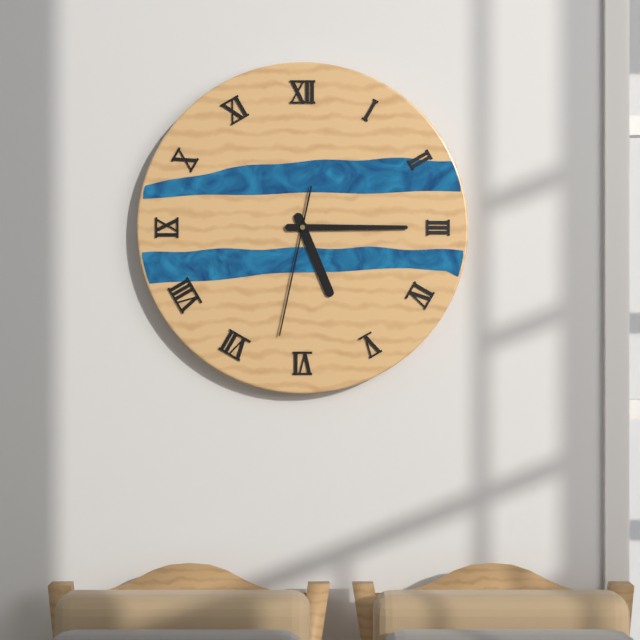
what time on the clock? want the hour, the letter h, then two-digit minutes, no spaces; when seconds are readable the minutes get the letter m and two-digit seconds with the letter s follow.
5h15m32s
